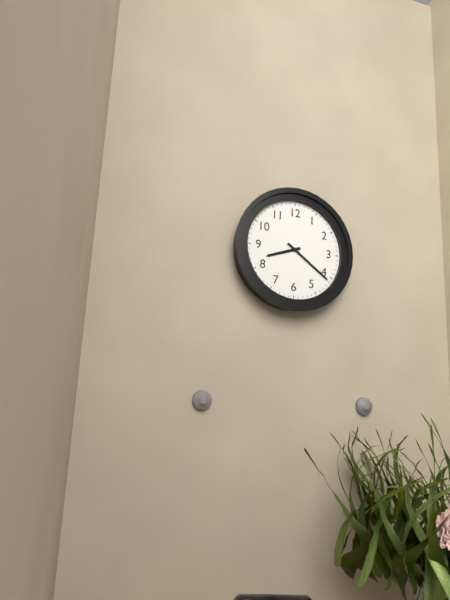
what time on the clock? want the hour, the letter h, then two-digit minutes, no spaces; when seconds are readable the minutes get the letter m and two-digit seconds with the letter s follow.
8h21
